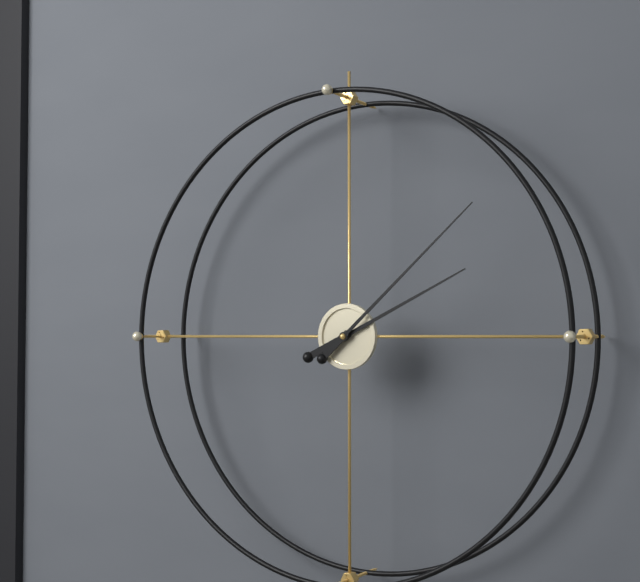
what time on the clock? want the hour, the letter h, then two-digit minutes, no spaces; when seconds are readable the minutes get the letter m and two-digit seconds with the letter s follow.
2h08
